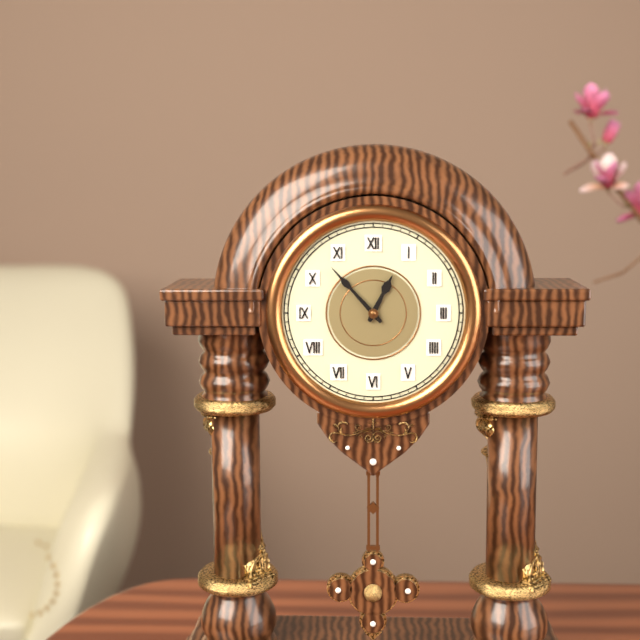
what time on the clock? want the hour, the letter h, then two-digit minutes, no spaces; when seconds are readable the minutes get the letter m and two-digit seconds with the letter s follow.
12h53
